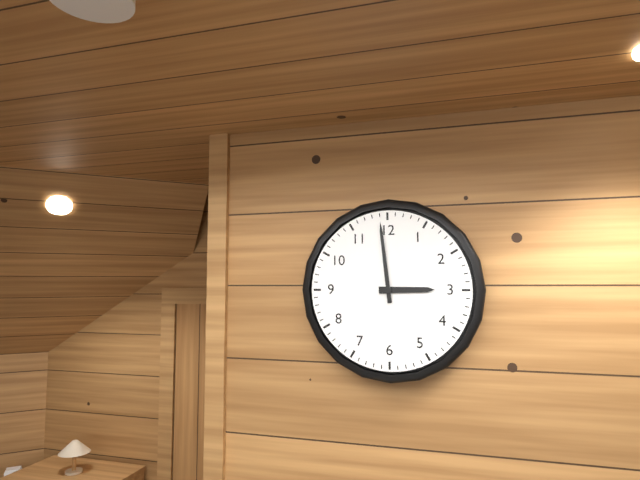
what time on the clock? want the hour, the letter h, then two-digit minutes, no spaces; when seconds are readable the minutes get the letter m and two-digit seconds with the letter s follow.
2h59
